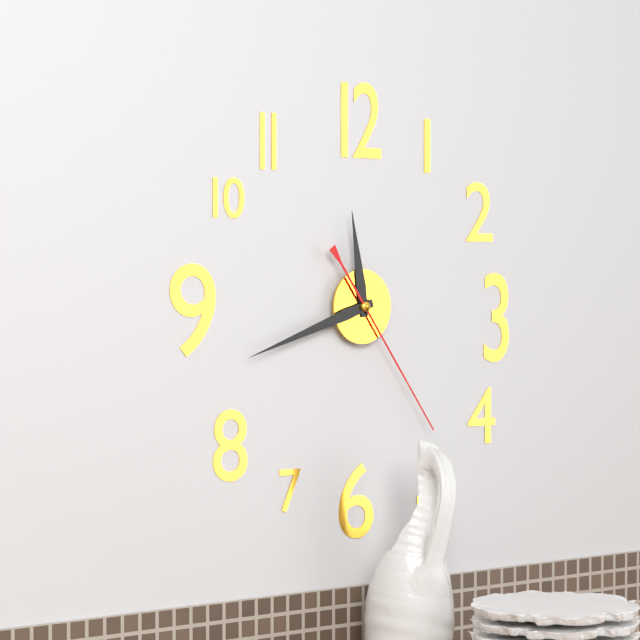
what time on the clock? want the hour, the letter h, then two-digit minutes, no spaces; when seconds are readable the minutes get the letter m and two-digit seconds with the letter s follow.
11h42m24s
